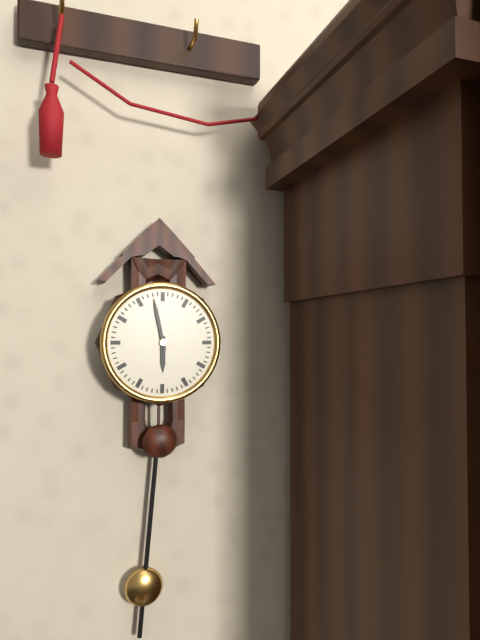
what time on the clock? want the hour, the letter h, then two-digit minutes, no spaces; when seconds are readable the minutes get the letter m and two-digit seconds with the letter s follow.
5h58
